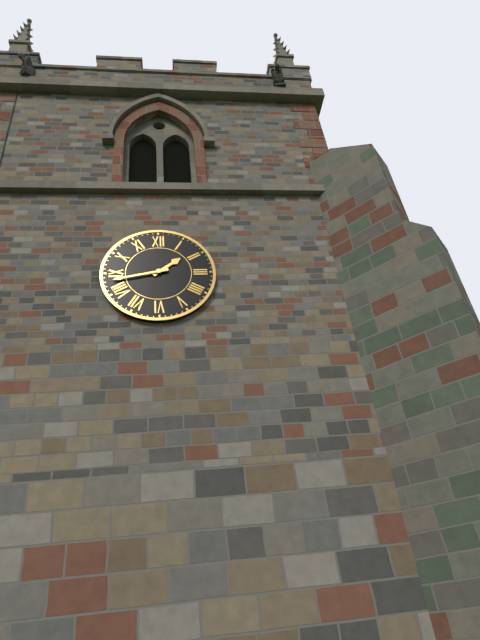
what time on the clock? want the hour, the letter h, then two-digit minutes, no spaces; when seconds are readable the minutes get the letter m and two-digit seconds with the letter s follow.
1h43
